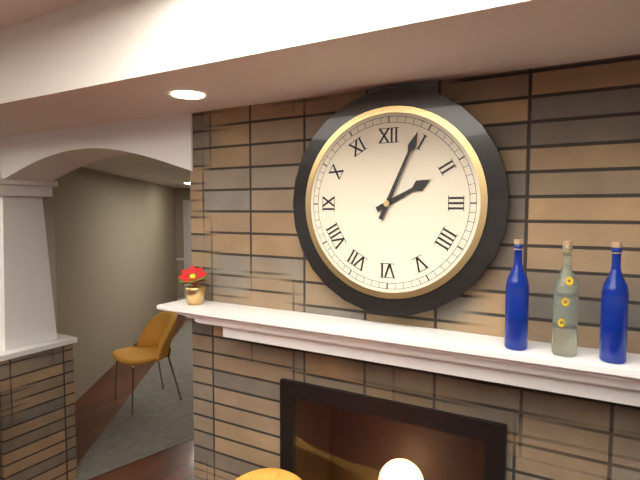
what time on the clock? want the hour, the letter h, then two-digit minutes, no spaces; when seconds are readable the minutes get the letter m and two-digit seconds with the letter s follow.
2h04
